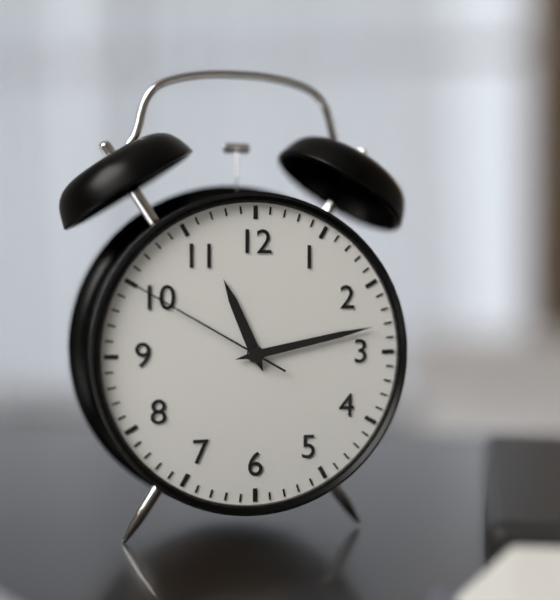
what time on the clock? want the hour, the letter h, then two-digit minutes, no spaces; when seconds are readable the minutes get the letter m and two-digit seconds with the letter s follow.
11h13m50s
